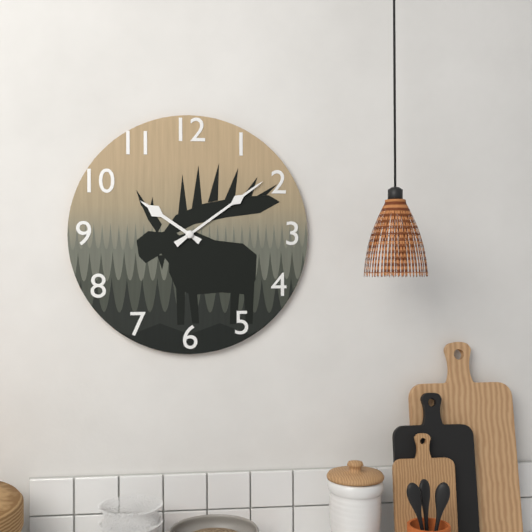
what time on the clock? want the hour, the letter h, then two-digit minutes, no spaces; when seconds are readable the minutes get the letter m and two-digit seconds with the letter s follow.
10h09
